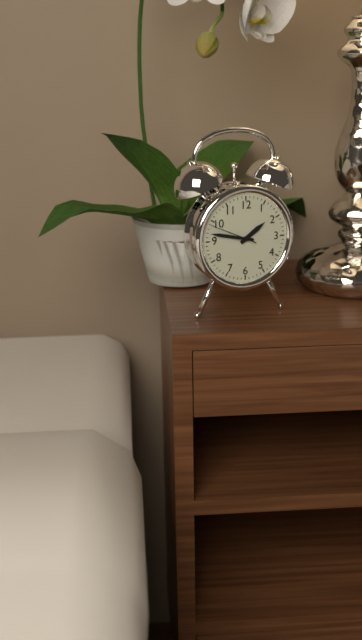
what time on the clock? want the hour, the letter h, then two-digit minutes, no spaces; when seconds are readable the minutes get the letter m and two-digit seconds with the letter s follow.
1h47
